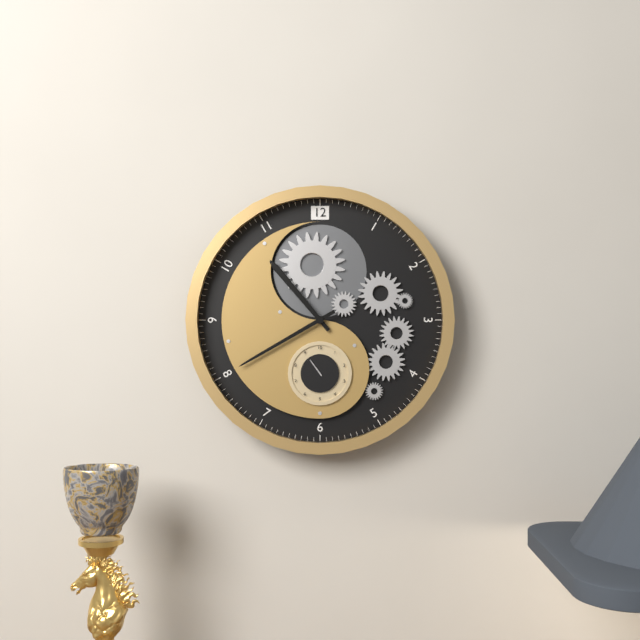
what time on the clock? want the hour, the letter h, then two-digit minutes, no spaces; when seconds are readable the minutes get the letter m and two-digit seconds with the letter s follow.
10h40
